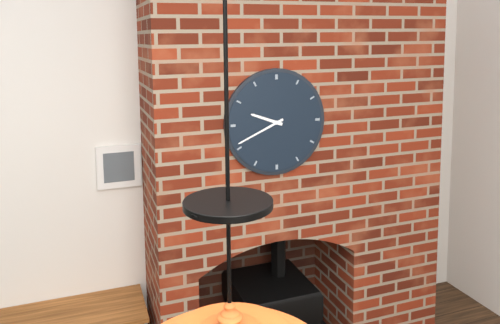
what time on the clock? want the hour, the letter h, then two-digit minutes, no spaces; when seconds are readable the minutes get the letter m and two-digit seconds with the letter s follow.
9h41
